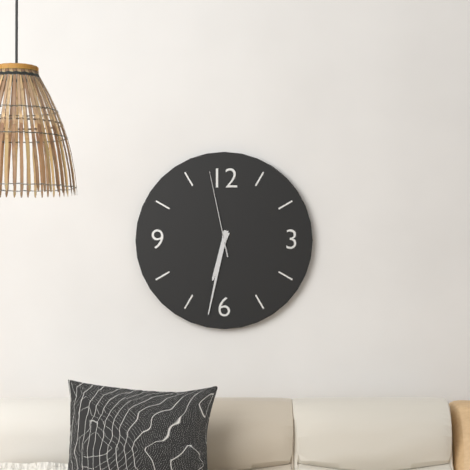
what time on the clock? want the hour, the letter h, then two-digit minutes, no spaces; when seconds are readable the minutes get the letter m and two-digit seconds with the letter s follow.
6h32m58s
